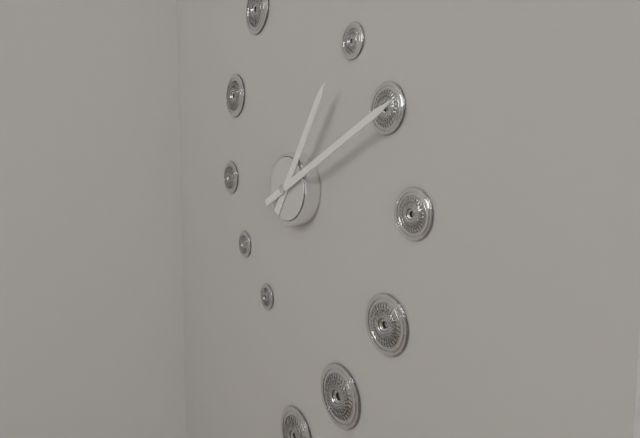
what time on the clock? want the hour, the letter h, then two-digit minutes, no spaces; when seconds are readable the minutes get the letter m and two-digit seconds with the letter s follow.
1h11
